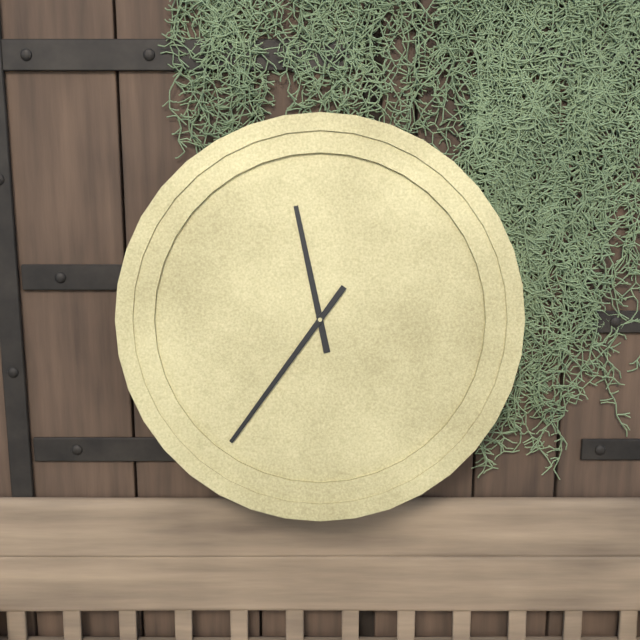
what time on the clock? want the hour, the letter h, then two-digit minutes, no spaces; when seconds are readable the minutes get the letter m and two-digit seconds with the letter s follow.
11h36
